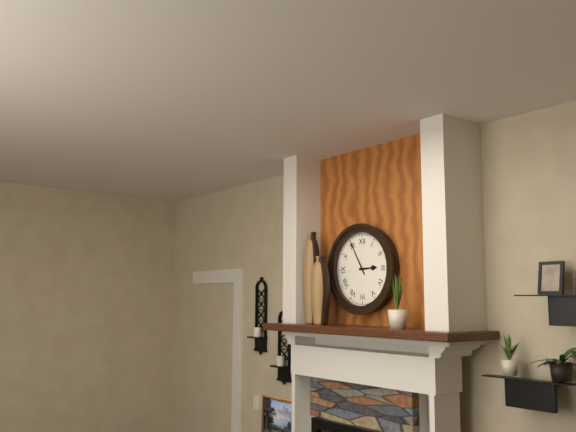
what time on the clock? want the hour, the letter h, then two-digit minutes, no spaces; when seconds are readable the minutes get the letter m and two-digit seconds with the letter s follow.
2h55
